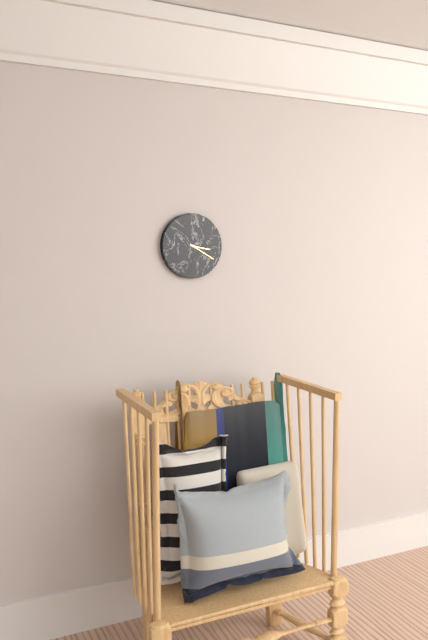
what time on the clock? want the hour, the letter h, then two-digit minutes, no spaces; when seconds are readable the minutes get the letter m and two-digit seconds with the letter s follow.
3h20
